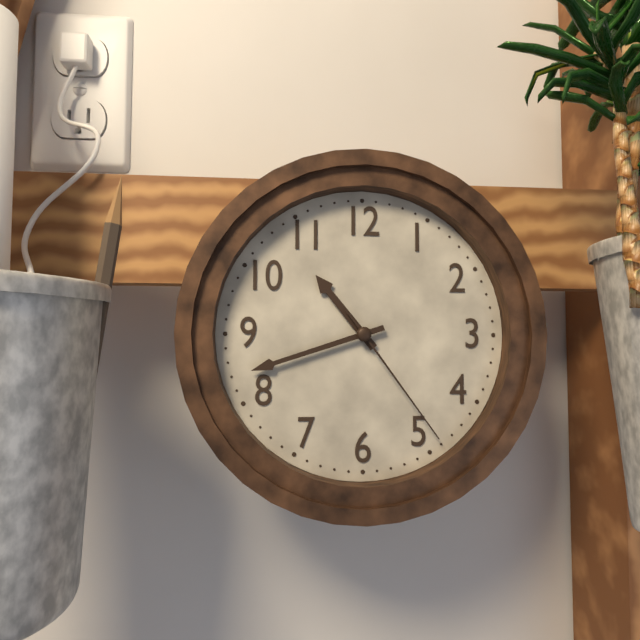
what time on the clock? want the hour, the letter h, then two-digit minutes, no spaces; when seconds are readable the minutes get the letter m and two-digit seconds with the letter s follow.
10h42m24s
